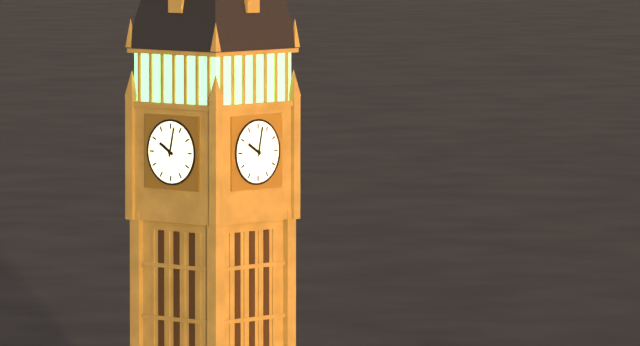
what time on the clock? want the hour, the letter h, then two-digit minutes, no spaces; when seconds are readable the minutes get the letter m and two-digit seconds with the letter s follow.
10h02
